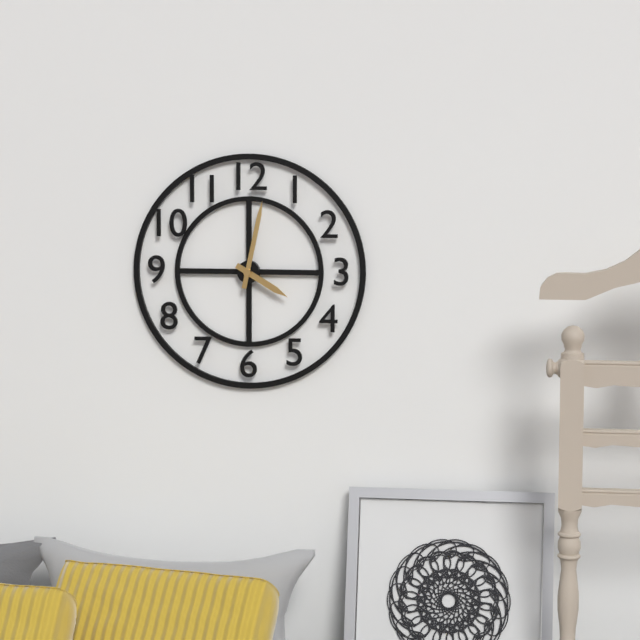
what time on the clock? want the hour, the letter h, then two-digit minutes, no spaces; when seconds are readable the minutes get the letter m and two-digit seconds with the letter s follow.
4h02
